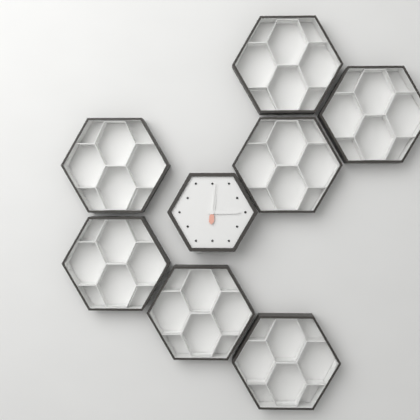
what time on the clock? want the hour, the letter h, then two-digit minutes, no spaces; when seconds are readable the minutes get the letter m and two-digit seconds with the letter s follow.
12h15
